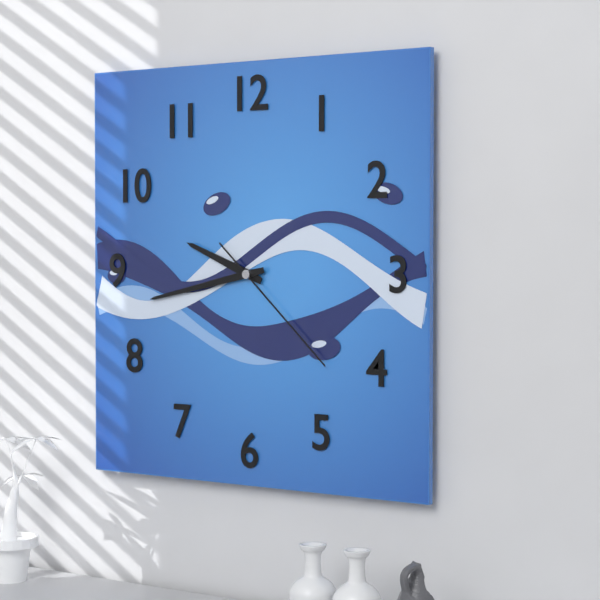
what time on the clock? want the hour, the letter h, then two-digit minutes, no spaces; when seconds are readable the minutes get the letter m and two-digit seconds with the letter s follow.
9h43m22s
